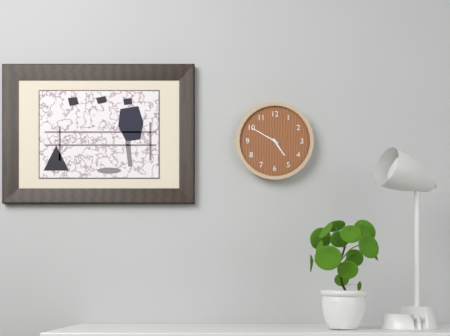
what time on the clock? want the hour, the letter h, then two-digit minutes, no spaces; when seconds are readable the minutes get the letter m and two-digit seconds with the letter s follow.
4h50
